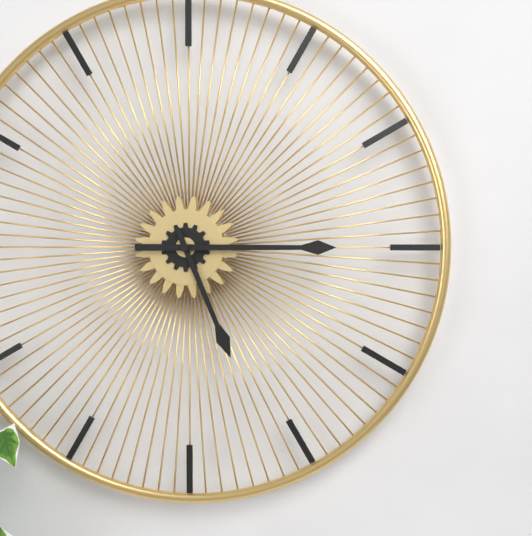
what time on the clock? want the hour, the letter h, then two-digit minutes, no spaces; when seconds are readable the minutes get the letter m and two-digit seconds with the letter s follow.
5h15
